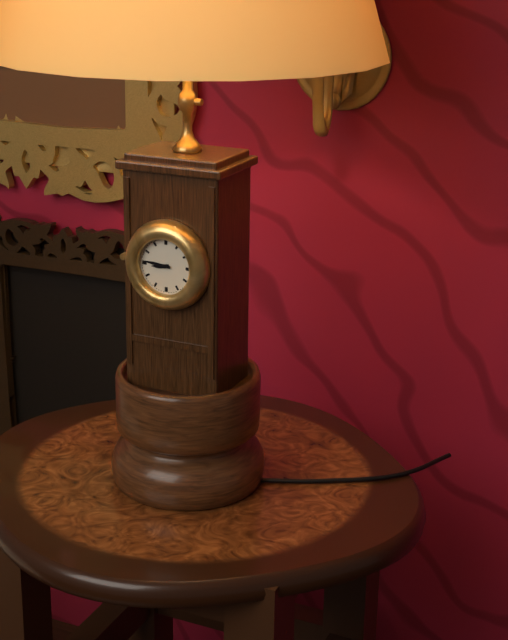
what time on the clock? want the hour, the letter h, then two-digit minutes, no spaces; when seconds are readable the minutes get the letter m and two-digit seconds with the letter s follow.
8h46
